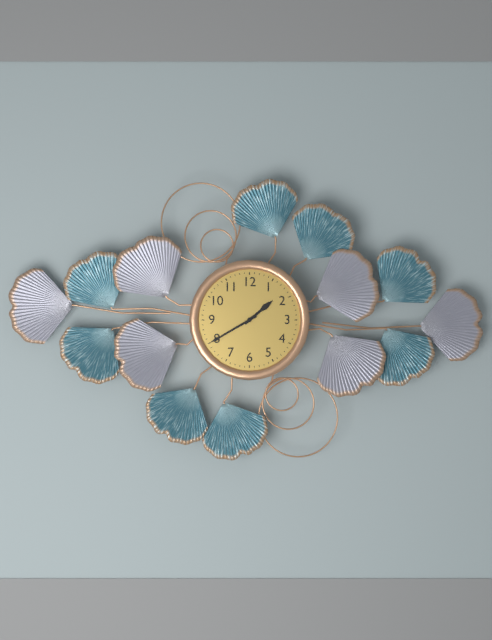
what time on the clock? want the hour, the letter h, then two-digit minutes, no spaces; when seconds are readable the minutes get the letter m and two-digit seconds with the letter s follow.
1h40
